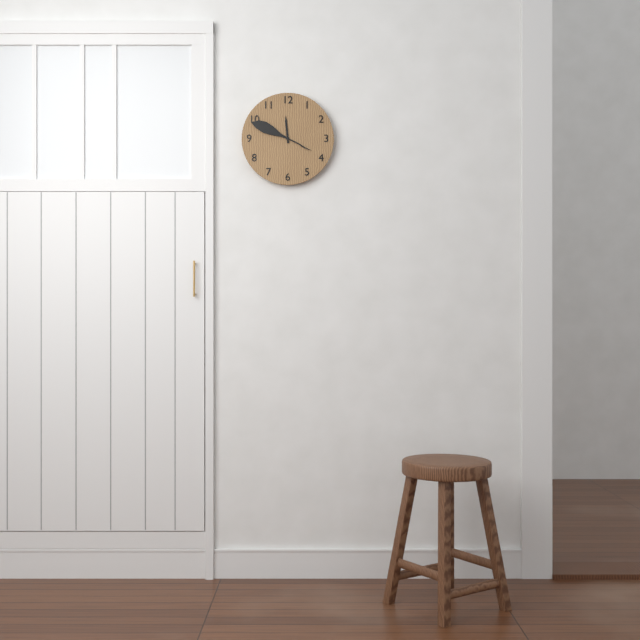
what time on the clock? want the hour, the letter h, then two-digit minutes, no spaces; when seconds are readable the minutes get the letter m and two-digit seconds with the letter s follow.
11h49
